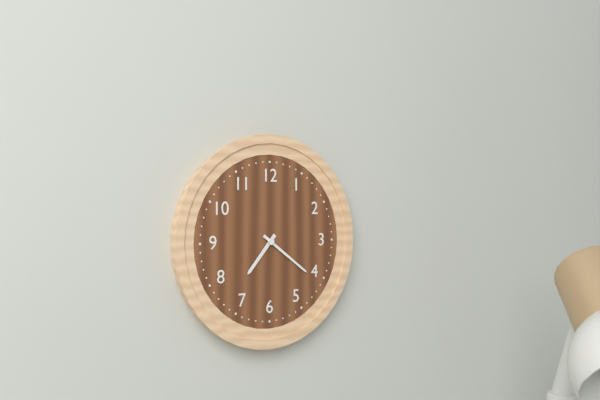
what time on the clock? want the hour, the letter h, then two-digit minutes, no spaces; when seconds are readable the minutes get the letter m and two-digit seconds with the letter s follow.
7h21
